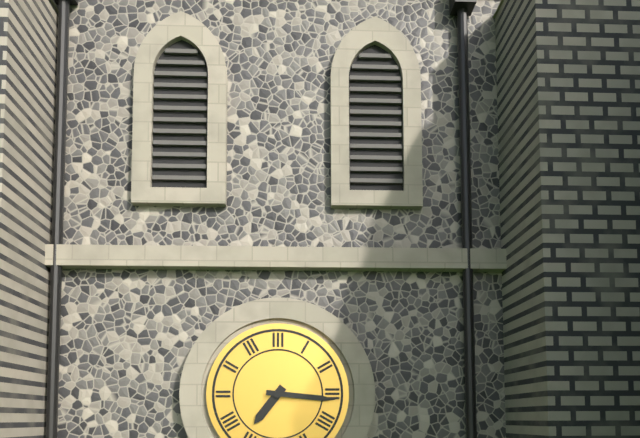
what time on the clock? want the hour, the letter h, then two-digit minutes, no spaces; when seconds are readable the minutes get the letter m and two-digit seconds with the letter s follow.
7h16
